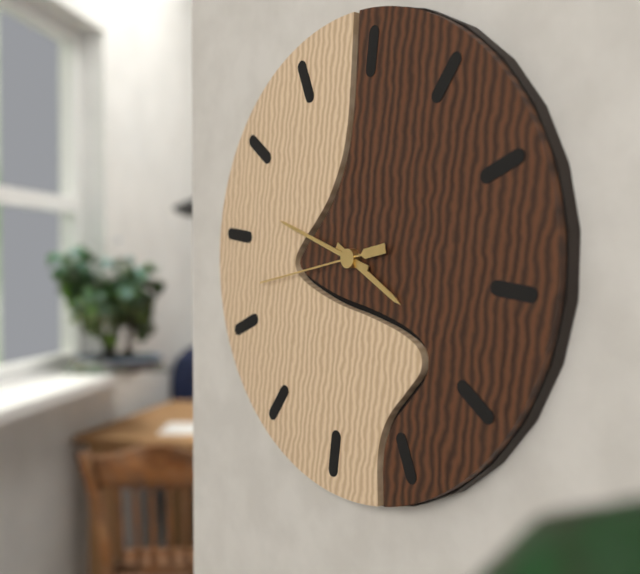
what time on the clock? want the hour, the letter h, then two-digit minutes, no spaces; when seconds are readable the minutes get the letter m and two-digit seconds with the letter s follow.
3h47m42s
